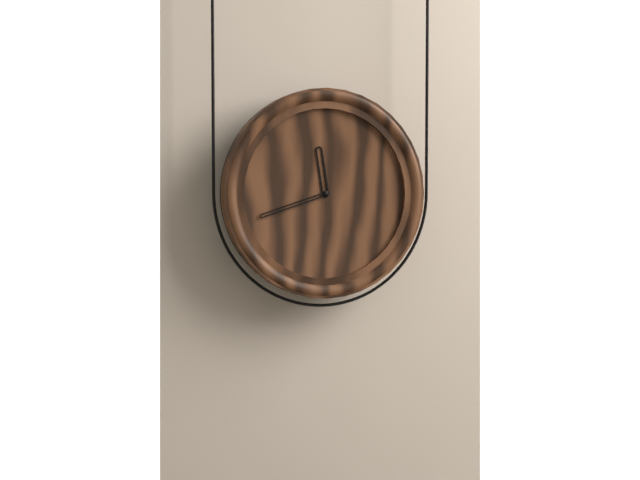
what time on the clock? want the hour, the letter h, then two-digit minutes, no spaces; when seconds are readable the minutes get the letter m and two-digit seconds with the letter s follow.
11h42
